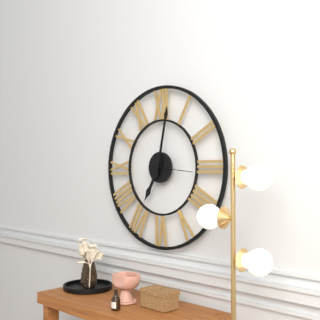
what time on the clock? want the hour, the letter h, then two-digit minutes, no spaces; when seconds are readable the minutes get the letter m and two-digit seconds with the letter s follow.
7h02
